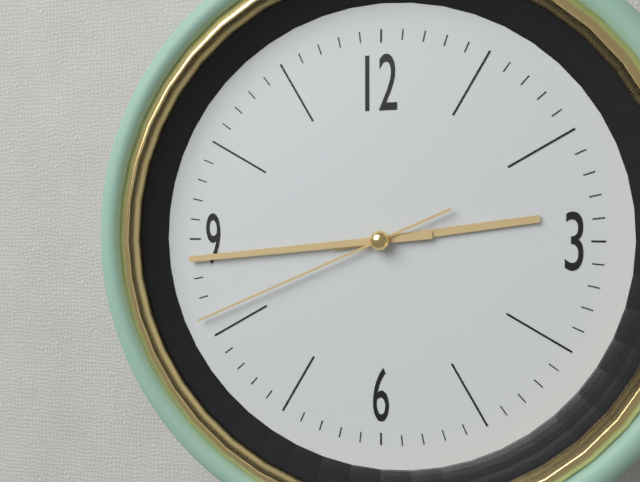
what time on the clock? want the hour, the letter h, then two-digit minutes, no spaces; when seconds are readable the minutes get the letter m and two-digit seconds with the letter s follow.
2h44m41s
